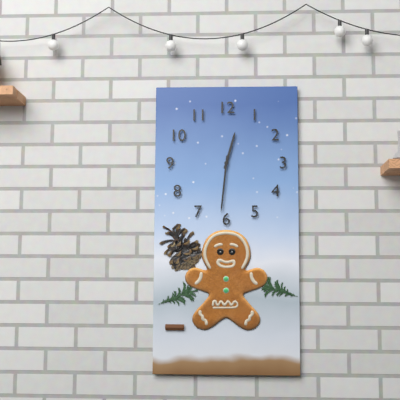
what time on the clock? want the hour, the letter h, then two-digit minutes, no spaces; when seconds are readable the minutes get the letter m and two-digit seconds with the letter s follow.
12h31
